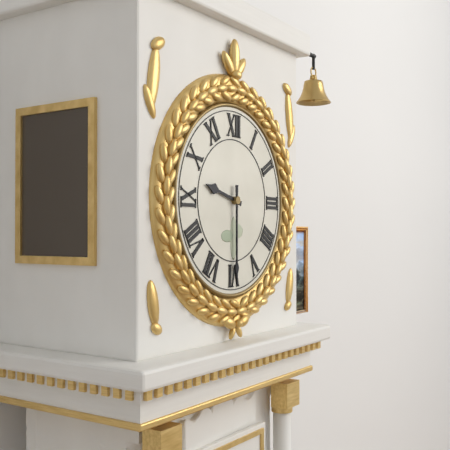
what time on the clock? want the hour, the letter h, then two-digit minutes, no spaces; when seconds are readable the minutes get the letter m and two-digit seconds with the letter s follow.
9h30
